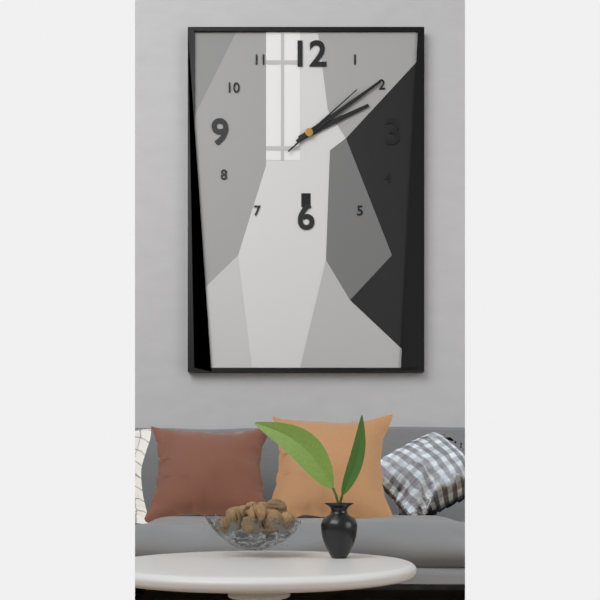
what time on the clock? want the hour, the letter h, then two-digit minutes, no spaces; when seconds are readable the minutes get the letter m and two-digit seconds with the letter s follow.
2h09m08s
